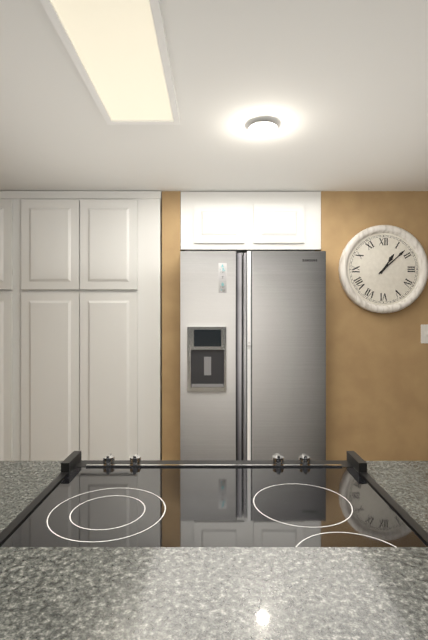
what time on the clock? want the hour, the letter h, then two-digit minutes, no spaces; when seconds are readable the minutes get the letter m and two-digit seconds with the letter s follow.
1h08
